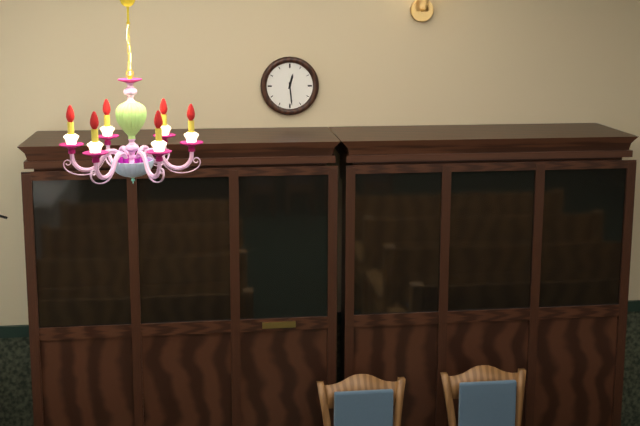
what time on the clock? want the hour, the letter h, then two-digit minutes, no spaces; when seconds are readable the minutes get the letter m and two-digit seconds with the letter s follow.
12h29
